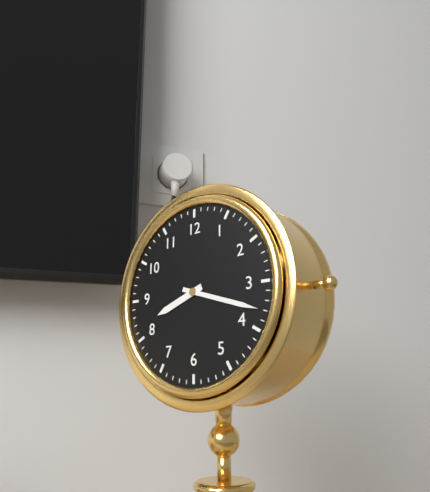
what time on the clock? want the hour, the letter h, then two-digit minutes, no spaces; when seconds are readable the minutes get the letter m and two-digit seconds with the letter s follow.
8h18
